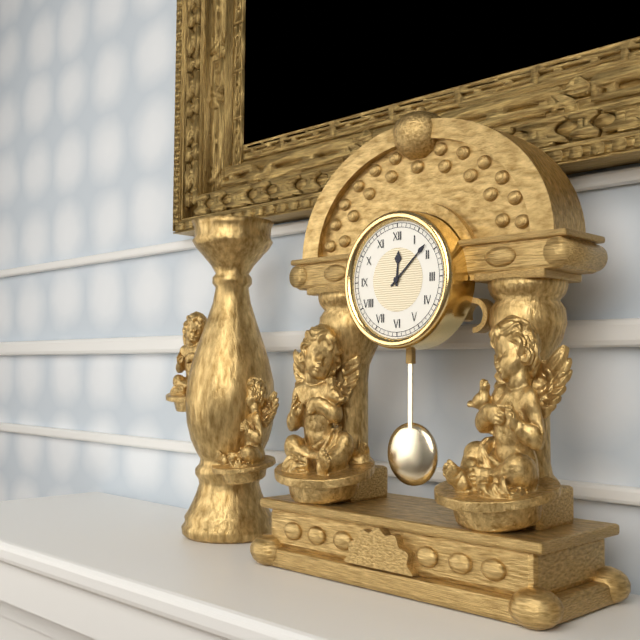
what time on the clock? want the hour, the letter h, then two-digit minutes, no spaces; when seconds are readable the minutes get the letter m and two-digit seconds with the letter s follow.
12h08
